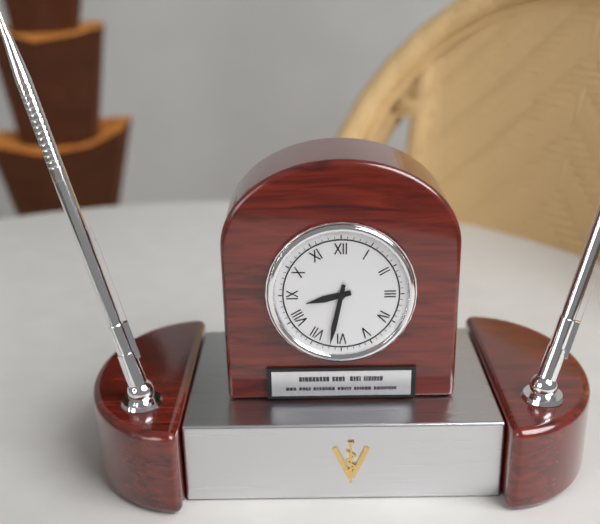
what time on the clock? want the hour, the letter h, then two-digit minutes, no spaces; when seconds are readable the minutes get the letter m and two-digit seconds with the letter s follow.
8h32
